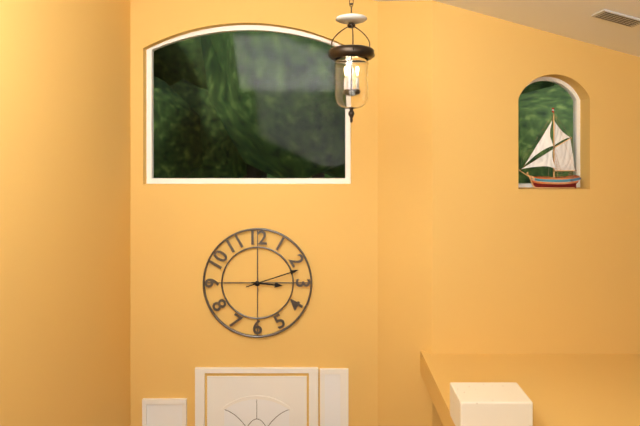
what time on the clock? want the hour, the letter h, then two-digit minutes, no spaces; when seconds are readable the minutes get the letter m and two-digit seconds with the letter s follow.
3h12
